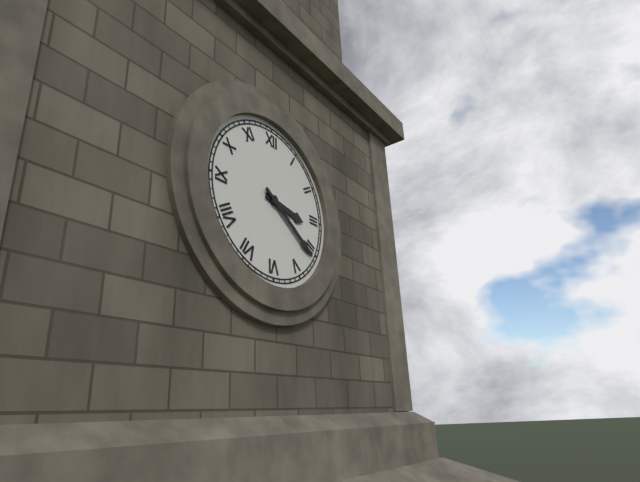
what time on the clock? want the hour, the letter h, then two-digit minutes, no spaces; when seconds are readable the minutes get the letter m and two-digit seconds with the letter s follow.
3h21
